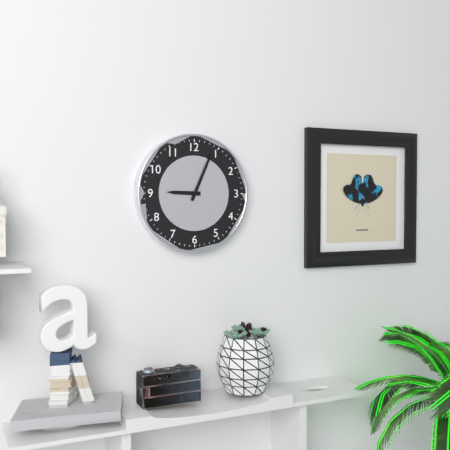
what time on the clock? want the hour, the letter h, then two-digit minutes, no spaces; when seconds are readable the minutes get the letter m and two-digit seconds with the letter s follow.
9h04
